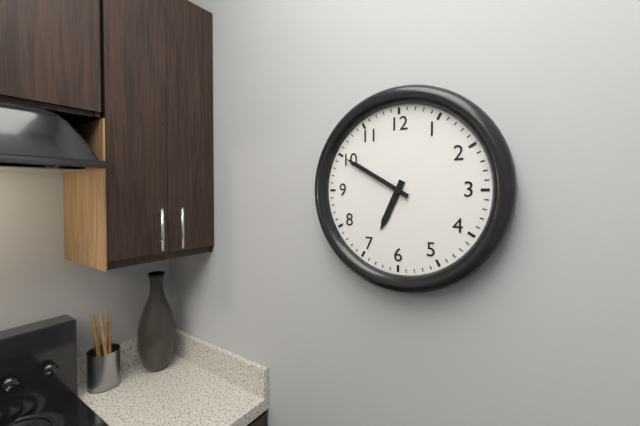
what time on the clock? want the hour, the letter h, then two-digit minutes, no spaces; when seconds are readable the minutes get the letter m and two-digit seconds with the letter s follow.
6h50
